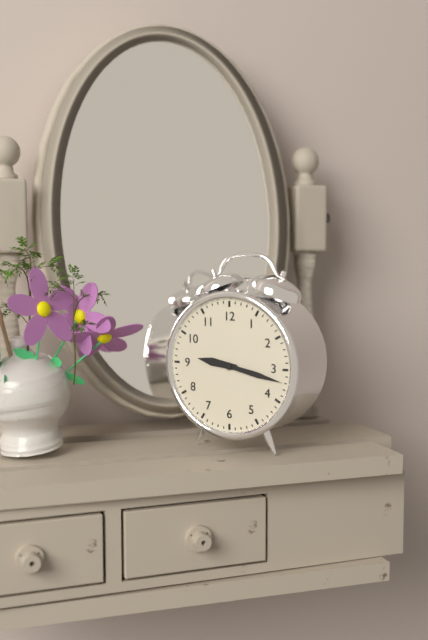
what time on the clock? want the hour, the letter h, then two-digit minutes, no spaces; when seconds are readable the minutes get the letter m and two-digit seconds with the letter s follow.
9h17
